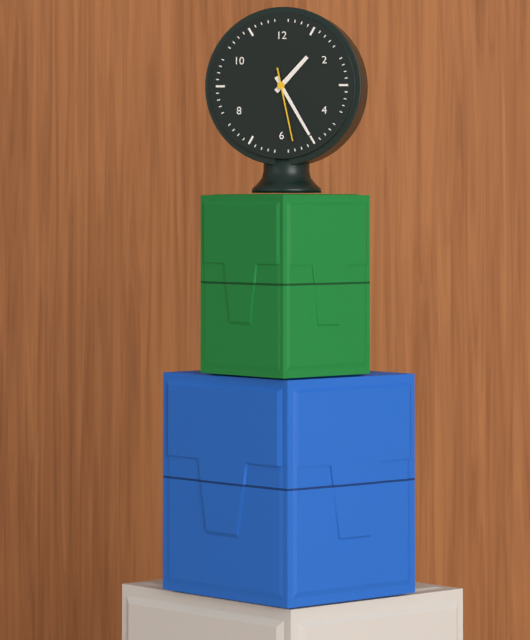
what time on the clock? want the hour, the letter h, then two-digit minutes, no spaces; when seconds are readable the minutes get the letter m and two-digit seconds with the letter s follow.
1h25m28s
